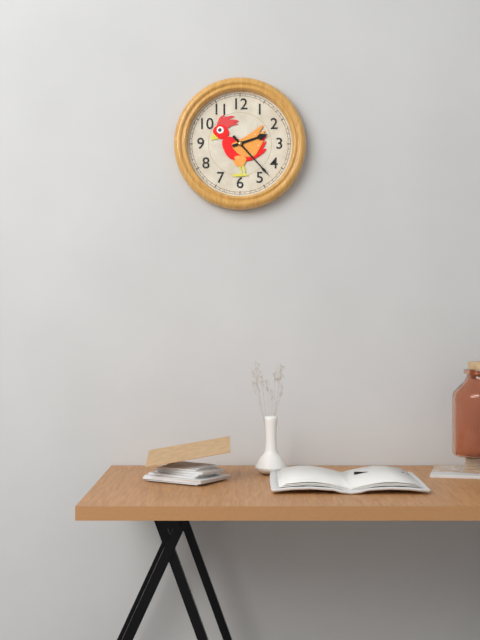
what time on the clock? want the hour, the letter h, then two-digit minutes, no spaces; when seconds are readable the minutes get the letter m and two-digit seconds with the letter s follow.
2h23
